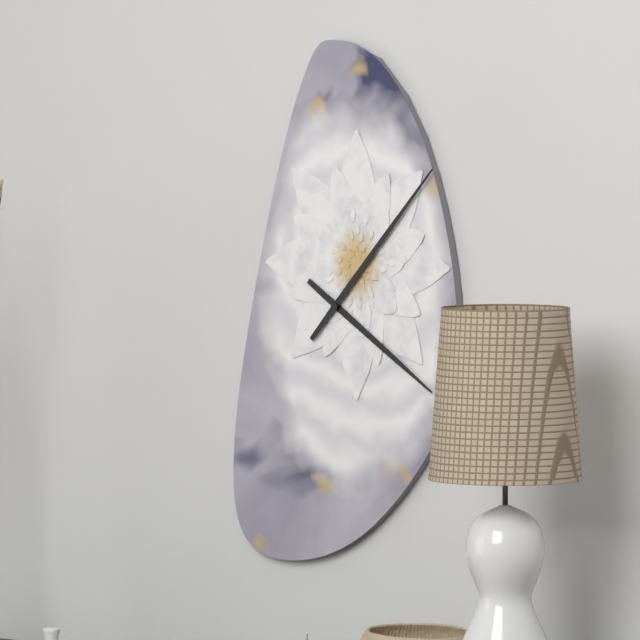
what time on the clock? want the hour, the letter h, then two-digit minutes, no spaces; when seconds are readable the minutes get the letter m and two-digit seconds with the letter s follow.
4h07
